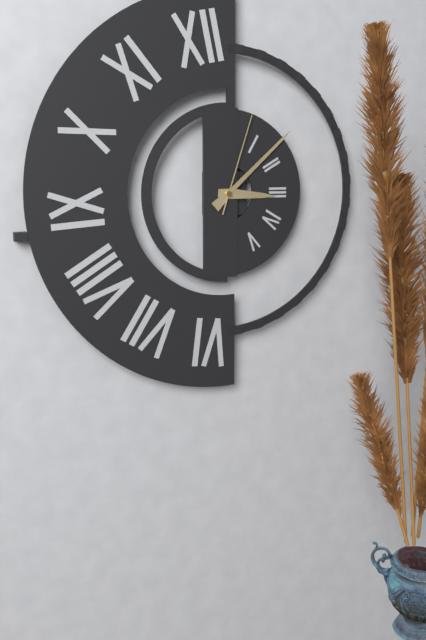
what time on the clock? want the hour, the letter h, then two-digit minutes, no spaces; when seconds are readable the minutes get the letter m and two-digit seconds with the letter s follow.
3h08m03s
